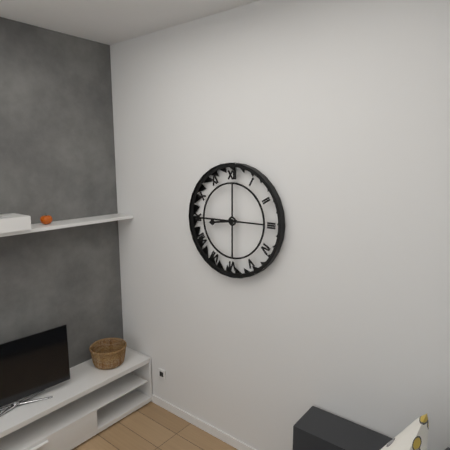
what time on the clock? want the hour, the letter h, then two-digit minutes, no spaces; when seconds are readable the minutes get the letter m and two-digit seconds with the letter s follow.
8h45
